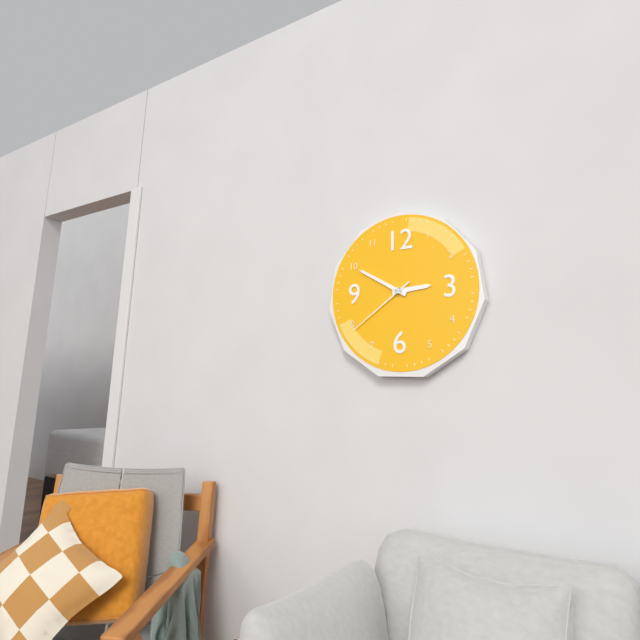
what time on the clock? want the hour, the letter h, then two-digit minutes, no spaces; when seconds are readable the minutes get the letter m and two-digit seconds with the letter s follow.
2h50m39s
